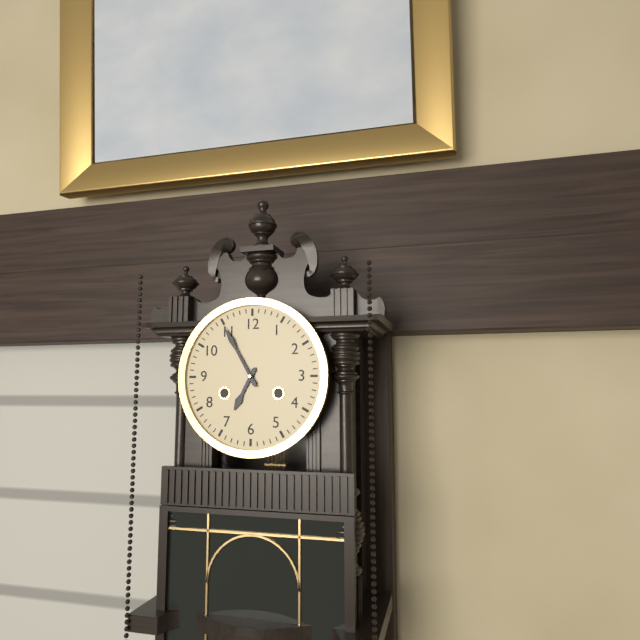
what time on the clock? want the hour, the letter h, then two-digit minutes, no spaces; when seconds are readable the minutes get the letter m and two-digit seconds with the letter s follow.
6h55
